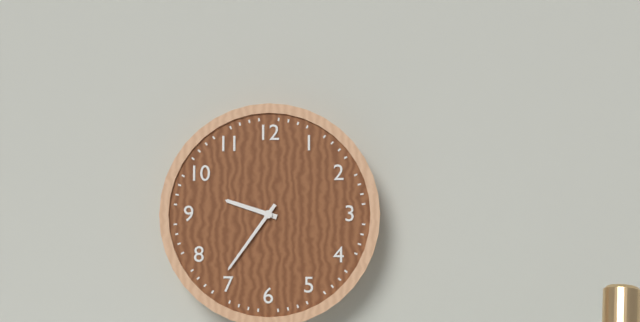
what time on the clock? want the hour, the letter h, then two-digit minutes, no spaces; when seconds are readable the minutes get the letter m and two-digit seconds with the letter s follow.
9h36
